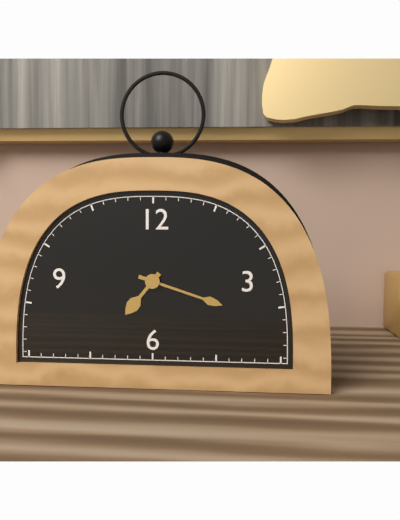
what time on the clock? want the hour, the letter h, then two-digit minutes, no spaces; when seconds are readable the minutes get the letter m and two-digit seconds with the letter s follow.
7h18
